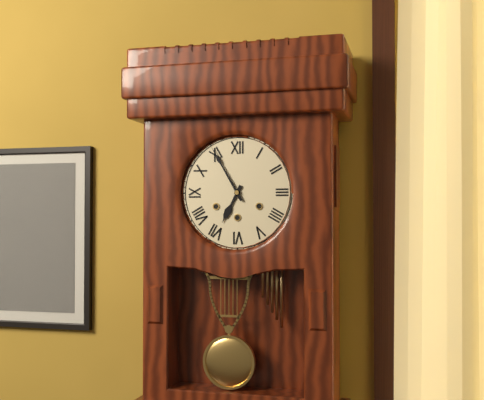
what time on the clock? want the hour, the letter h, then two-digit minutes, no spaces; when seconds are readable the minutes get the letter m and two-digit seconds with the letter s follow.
6h55
